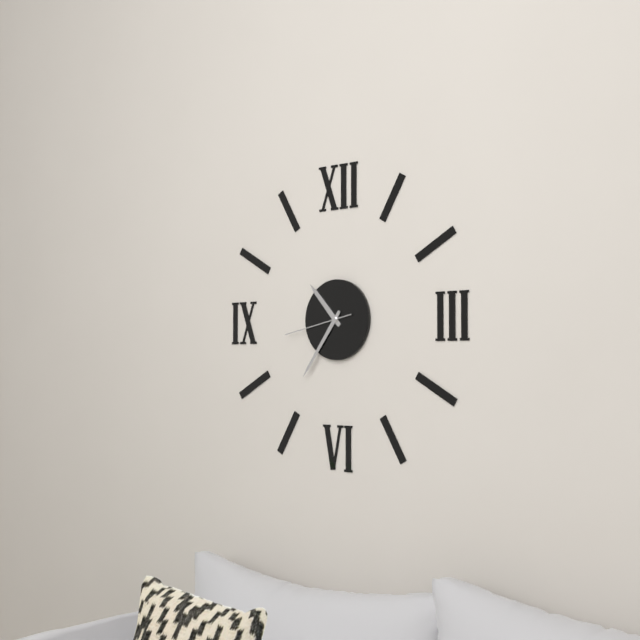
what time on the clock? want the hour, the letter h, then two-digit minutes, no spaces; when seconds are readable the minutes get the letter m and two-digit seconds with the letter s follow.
10h36m43s
